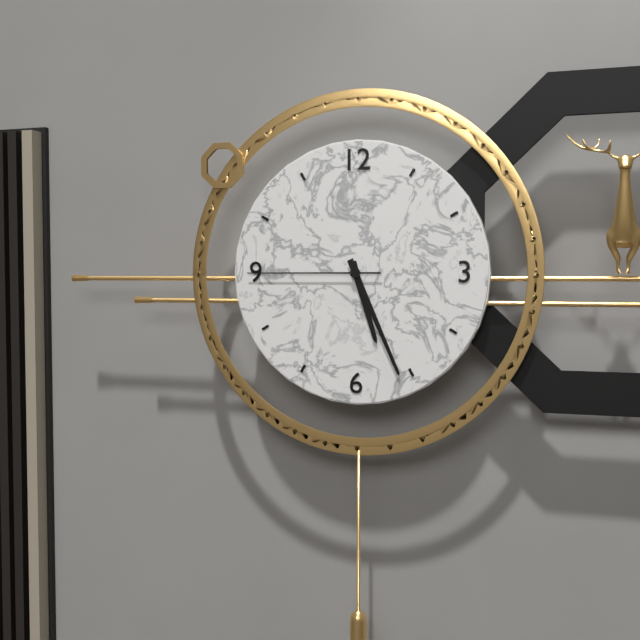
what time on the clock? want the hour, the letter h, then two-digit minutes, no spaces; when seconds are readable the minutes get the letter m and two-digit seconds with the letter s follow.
5h26m45s
